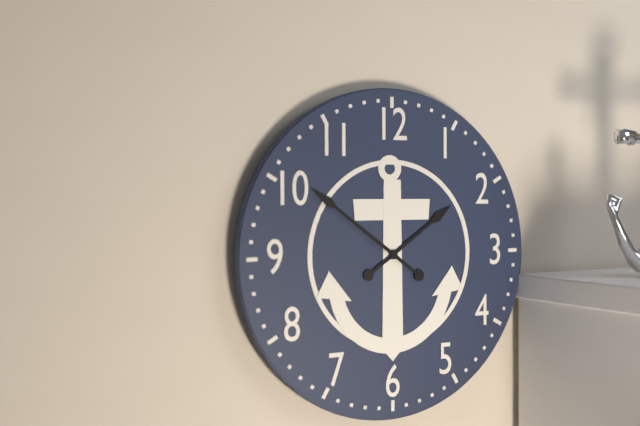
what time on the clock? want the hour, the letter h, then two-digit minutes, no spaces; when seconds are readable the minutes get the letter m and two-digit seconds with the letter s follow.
1h51
